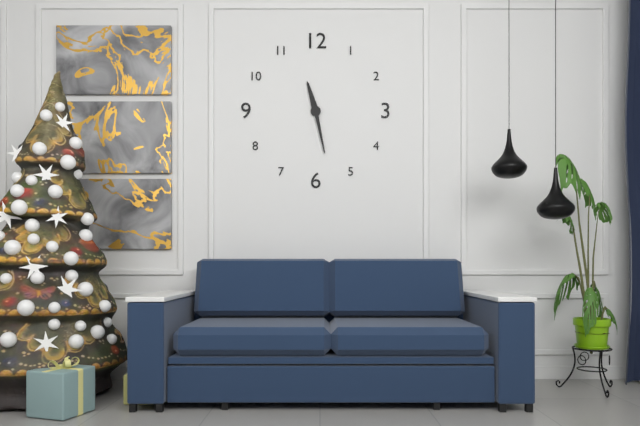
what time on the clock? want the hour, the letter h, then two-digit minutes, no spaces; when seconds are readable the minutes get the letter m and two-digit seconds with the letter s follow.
11h28
